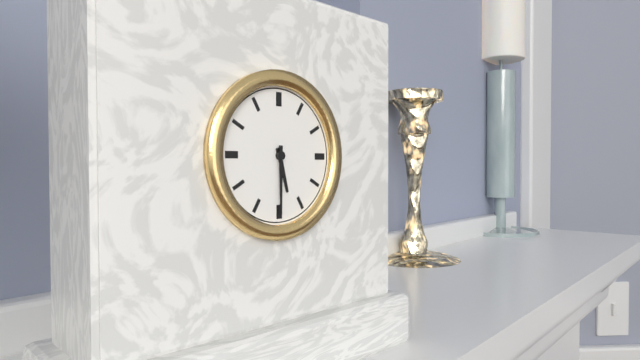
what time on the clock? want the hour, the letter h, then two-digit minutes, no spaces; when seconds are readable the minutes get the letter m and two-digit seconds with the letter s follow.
5h30
